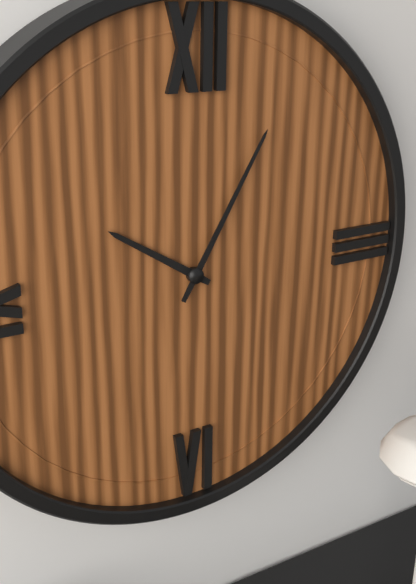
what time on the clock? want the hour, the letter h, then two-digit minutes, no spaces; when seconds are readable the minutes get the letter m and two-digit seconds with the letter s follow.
10h05
